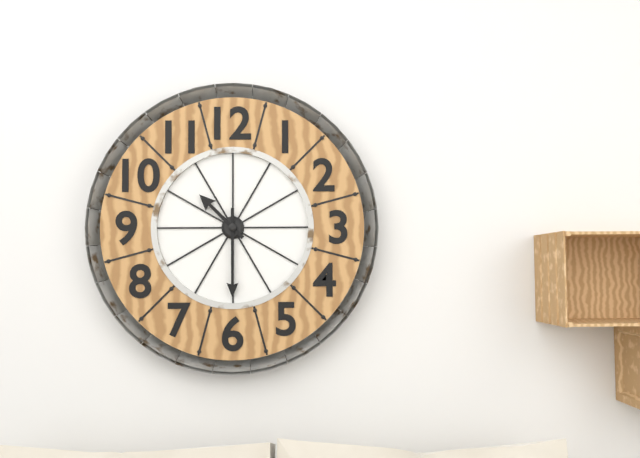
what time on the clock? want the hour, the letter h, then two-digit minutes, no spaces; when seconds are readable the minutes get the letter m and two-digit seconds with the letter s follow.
10h30
